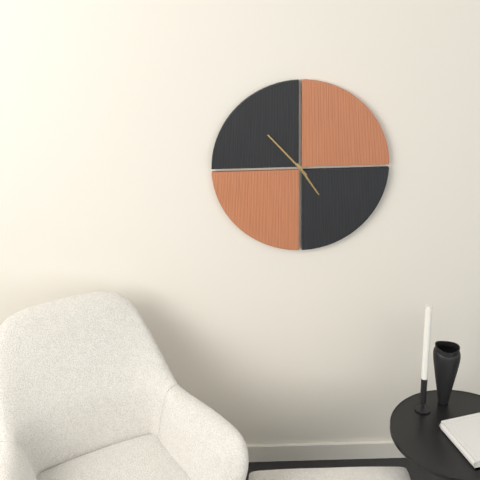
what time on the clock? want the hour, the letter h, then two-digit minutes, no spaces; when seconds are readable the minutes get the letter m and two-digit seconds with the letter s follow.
4h53
